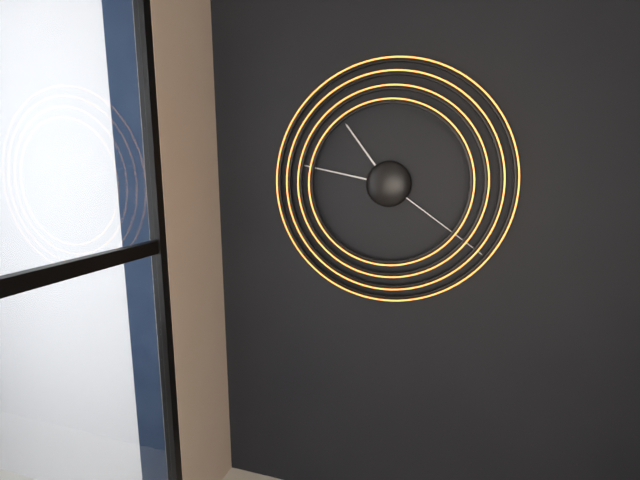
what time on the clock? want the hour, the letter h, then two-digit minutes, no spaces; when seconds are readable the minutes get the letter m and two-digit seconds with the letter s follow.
10h47m21s
